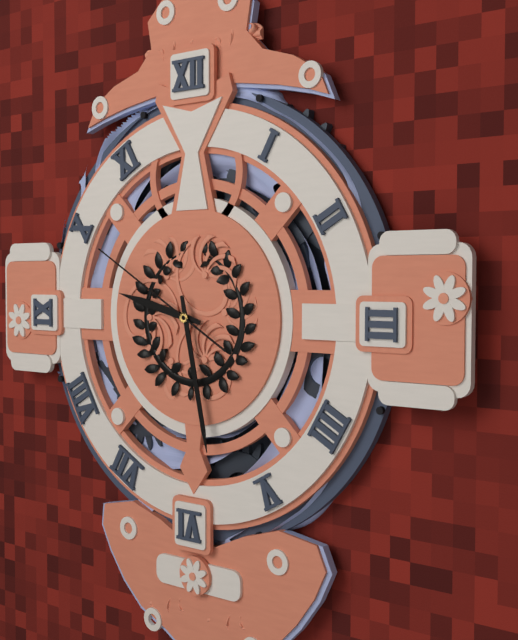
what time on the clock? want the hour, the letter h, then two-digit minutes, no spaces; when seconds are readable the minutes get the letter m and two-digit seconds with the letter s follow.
9h28m50s
